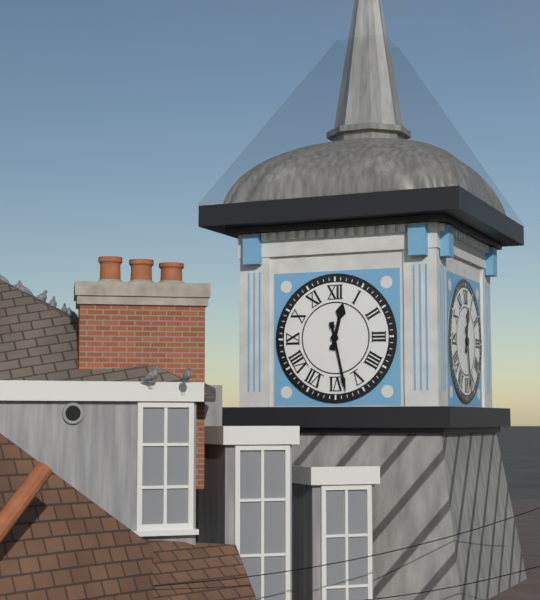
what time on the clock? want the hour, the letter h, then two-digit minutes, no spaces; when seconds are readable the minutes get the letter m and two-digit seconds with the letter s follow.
12h28
